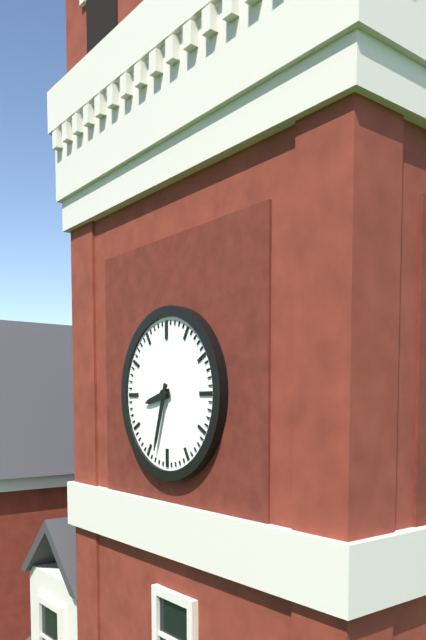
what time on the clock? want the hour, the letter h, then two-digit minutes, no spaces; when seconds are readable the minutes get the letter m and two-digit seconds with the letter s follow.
8h33
